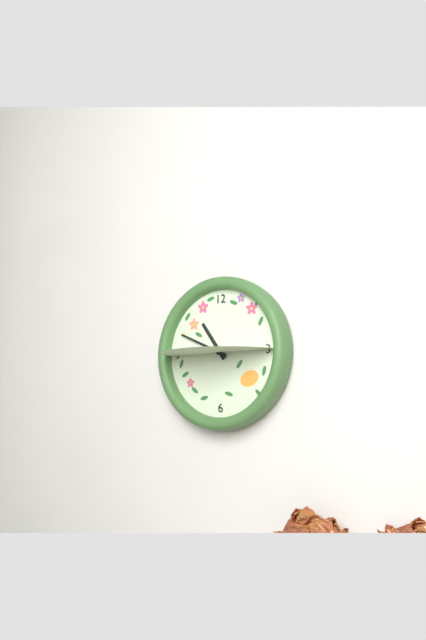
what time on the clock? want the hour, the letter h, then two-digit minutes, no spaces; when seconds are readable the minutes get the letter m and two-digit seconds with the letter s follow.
10h49
